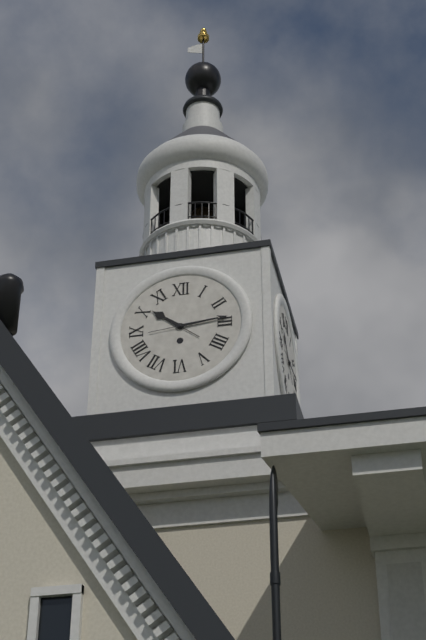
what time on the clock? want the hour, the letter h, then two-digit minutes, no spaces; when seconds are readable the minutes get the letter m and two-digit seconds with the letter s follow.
10h14
